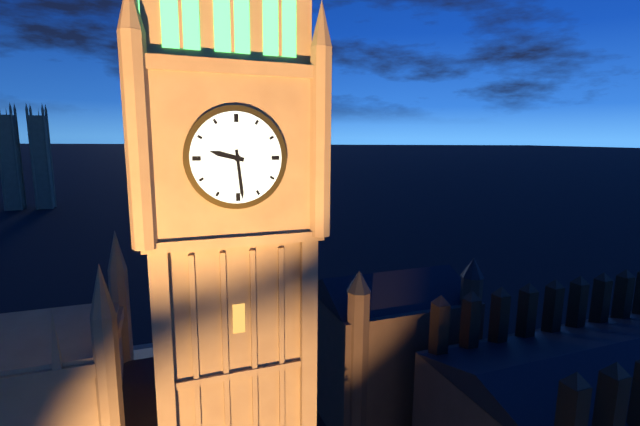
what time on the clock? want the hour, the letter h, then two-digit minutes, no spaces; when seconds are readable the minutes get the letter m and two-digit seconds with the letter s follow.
9h29
